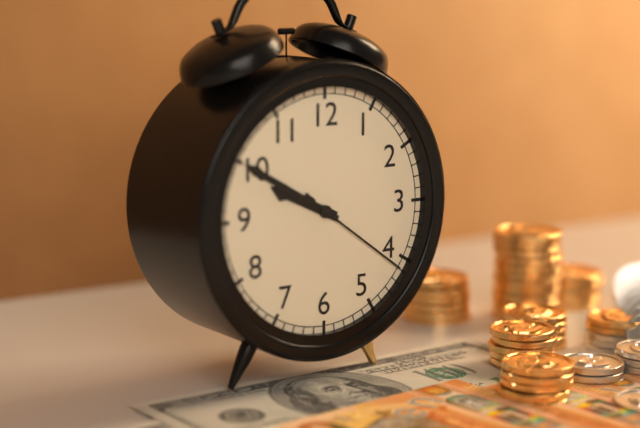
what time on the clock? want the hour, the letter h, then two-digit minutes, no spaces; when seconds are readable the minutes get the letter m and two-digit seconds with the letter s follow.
9h50m21s
